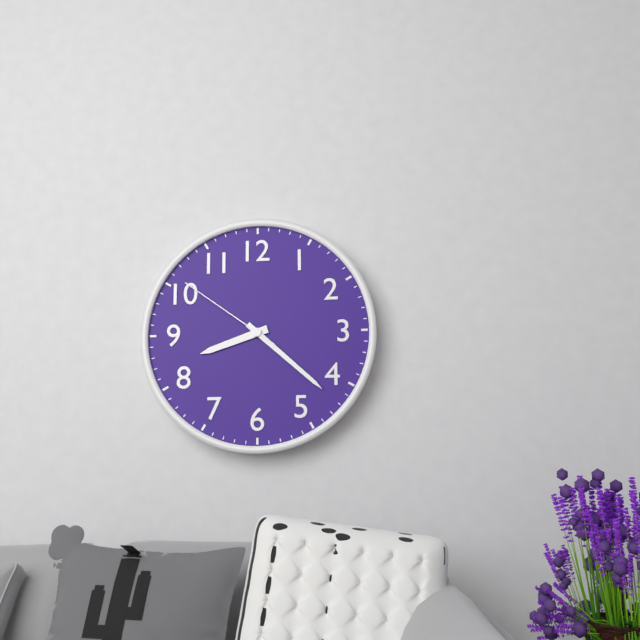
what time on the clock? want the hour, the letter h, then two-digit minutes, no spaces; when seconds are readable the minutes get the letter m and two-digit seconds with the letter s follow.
8h22m51s
